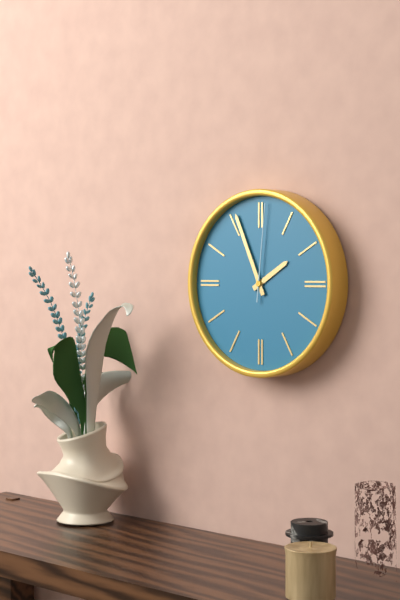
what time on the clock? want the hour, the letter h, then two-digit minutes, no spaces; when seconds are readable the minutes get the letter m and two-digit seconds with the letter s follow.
1h56m01s
